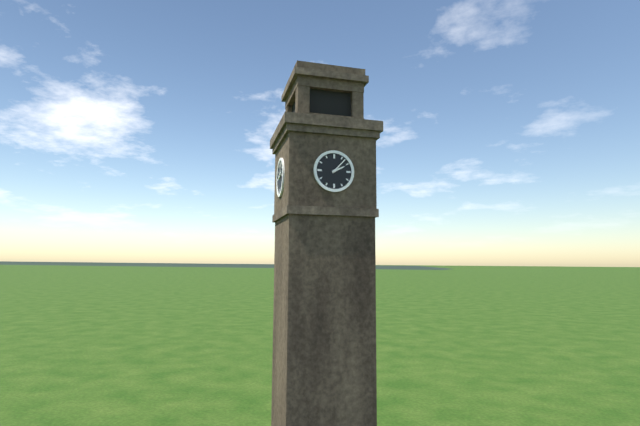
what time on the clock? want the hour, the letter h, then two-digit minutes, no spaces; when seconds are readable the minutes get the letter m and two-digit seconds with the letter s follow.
2h07
